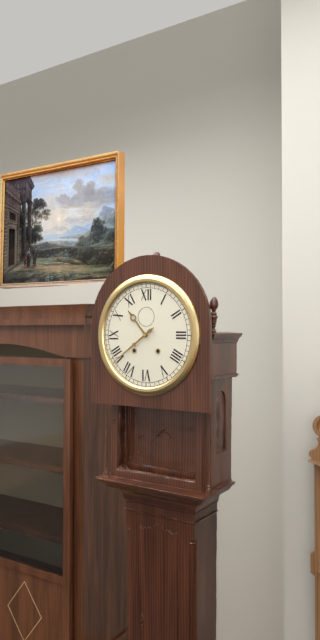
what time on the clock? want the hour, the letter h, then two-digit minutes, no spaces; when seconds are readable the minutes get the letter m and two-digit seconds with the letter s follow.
10h39
